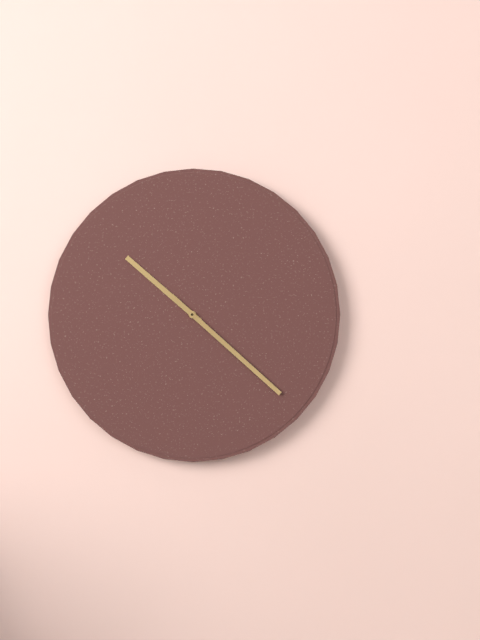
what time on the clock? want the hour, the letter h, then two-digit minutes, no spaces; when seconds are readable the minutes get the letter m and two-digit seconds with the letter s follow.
10h22
